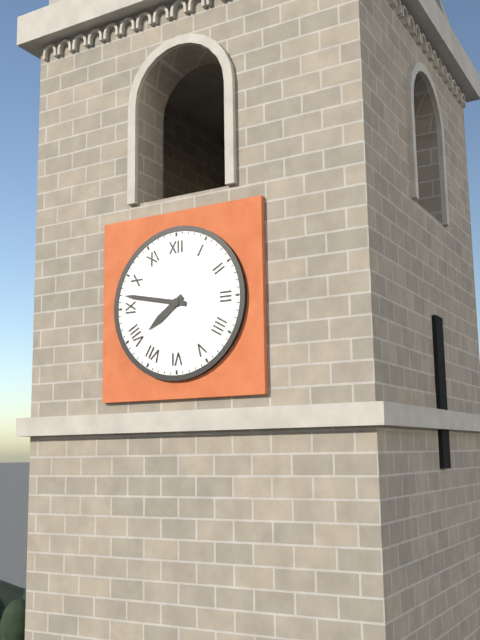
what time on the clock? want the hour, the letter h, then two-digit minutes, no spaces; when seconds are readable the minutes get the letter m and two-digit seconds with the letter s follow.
7h47
